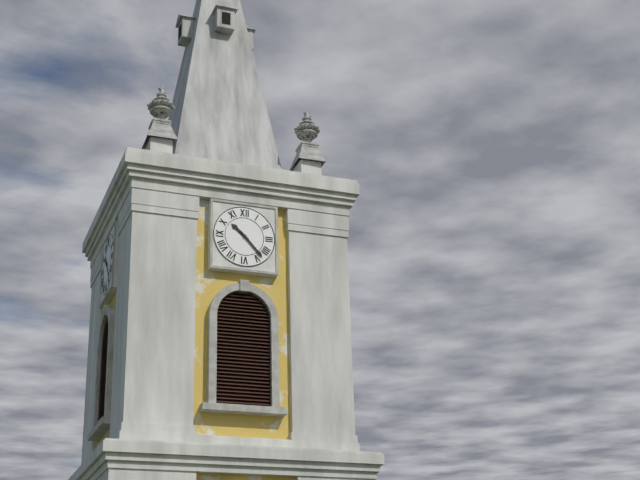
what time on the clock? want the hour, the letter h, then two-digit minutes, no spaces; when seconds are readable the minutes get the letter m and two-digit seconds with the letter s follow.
10h23
